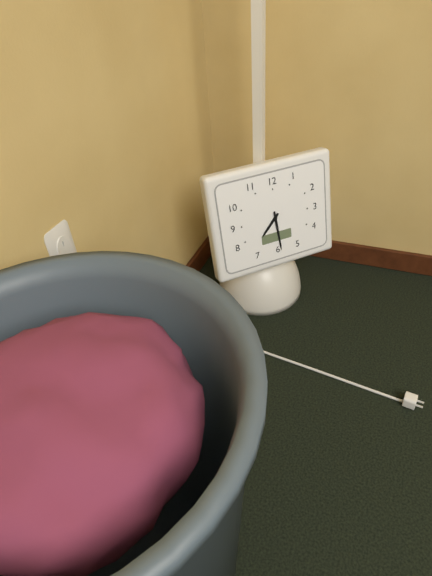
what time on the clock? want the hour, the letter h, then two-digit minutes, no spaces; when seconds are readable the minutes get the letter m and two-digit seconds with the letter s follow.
7h29
